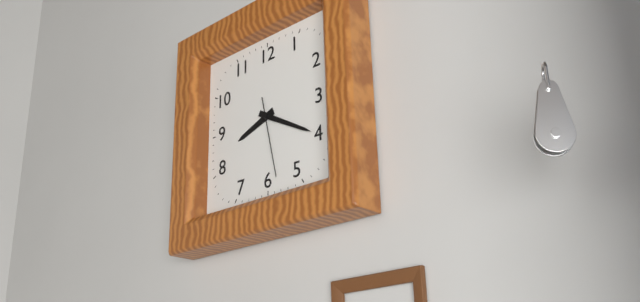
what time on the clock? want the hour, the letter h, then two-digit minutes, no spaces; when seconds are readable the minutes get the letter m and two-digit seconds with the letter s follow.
8h20m28s
